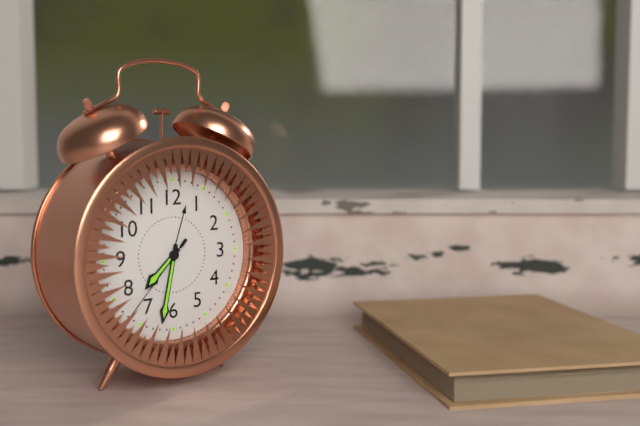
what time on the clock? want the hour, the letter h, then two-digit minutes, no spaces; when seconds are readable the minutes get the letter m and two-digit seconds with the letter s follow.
7h32m37s
